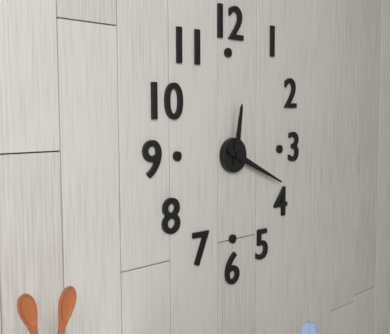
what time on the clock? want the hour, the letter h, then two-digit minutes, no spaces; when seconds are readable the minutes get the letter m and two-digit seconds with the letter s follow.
12h19
